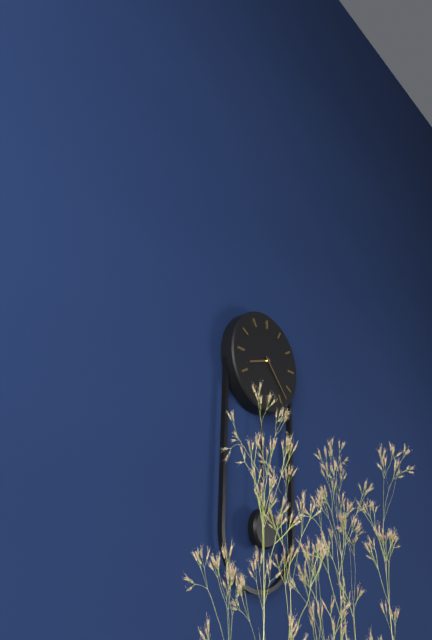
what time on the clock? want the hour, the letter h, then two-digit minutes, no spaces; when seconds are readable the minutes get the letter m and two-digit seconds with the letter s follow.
8h23
